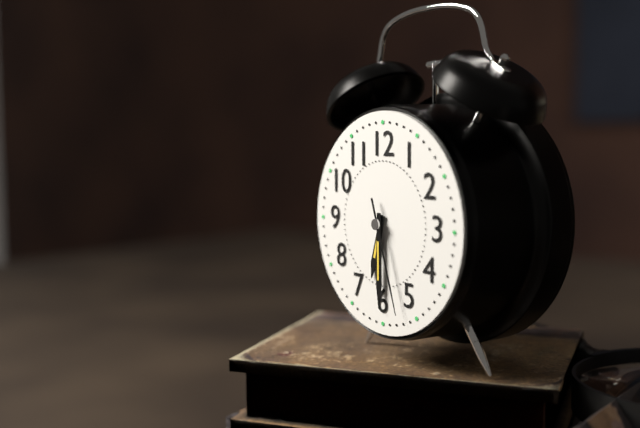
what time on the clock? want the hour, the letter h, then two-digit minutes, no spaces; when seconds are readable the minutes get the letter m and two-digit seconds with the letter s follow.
6h30m27s
